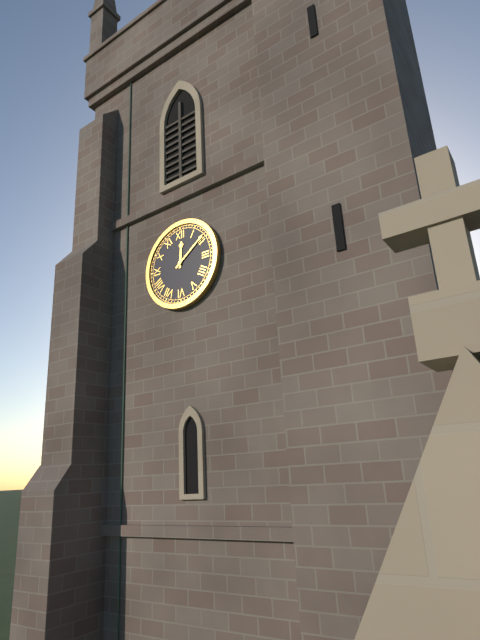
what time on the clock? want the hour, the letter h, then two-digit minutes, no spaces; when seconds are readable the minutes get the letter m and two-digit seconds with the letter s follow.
12h09
